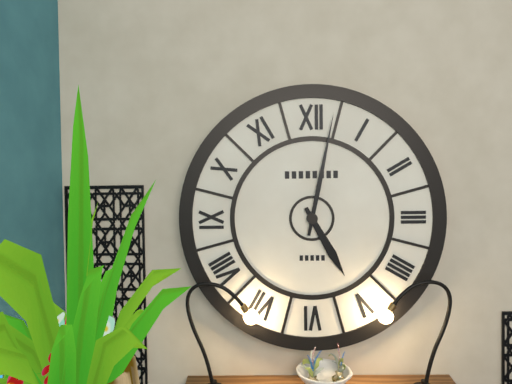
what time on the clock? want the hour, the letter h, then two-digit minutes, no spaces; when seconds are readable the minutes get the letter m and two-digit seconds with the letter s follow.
5h02
